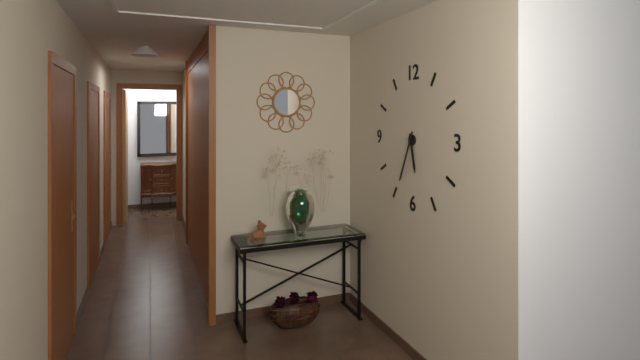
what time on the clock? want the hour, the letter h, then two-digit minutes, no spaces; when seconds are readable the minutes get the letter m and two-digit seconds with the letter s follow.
5h34
